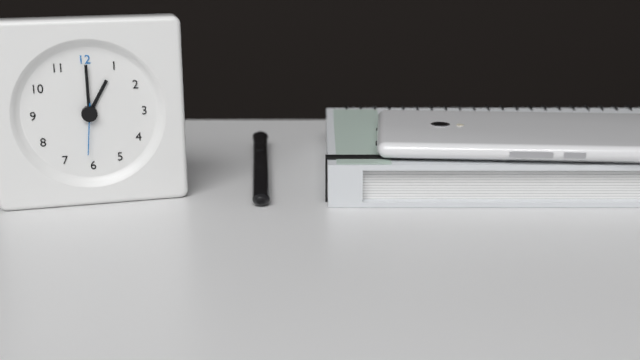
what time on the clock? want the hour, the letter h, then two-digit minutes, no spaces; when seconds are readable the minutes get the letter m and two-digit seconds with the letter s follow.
1h00m31s
